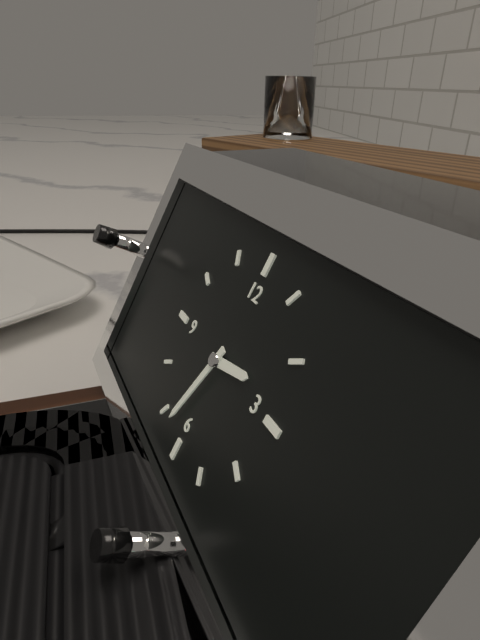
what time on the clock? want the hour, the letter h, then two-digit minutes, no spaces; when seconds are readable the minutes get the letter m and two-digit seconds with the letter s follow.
2h33
